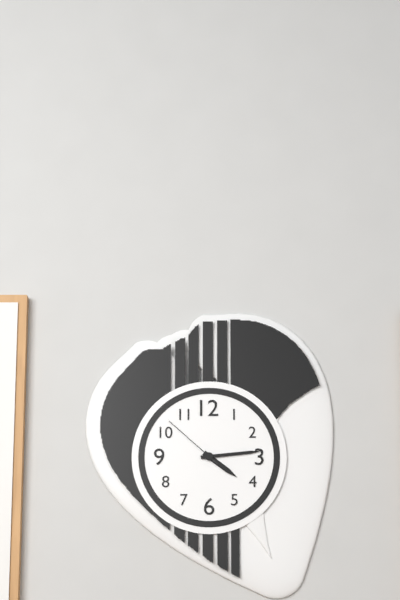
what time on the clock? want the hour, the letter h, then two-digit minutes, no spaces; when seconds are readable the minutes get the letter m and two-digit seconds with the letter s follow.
4h14m52s
